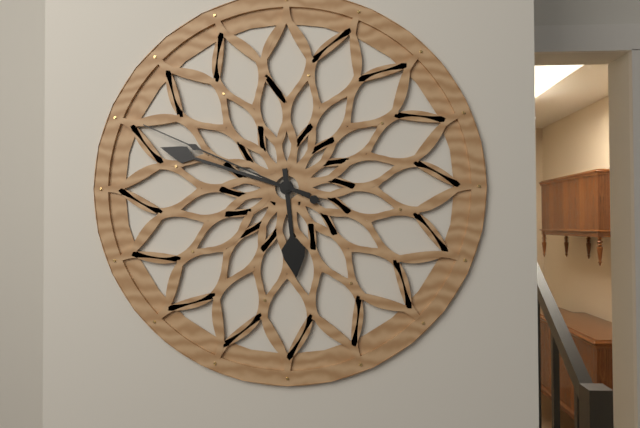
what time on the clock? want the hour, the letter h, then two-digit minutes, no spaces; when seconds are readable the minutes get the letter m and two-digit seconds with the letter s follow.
5h48m49s
